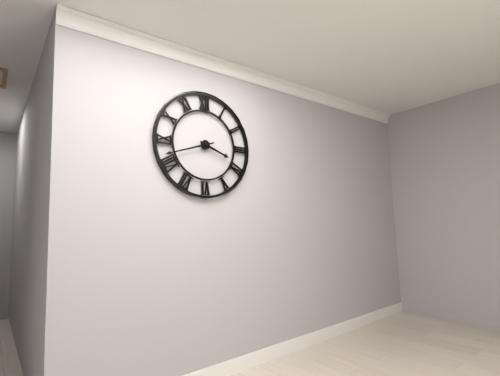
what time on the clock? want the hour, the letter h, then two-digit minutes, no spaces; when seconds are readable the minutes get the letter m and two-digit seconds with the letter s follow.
3h42
